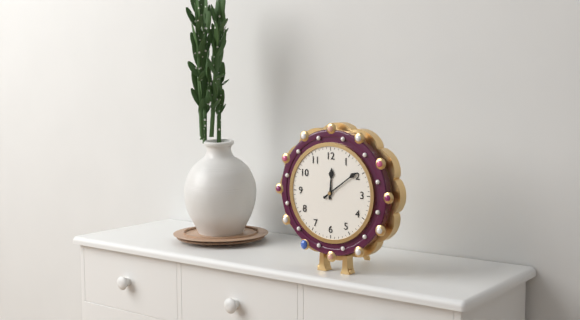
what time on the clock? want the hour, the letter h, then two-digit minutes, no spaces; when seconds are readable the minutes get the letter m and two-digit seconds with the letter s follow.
12h09
